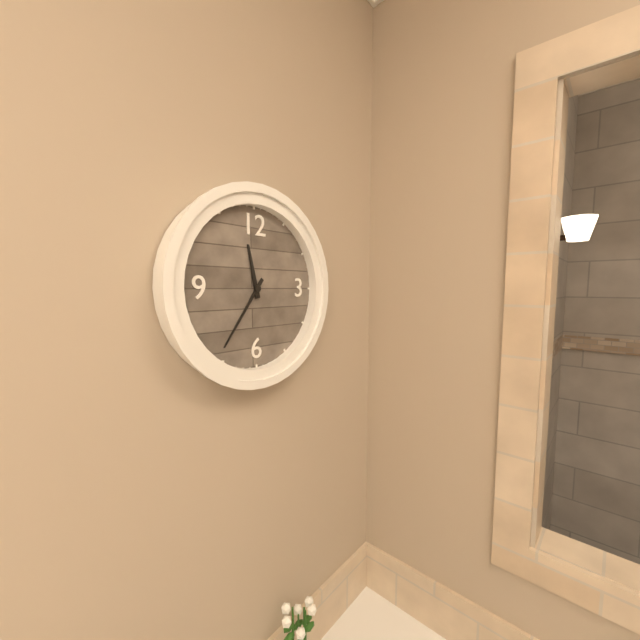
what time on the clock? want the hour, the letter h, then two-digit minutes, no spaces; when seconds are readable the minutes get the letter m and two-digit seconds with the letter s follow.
11h36
